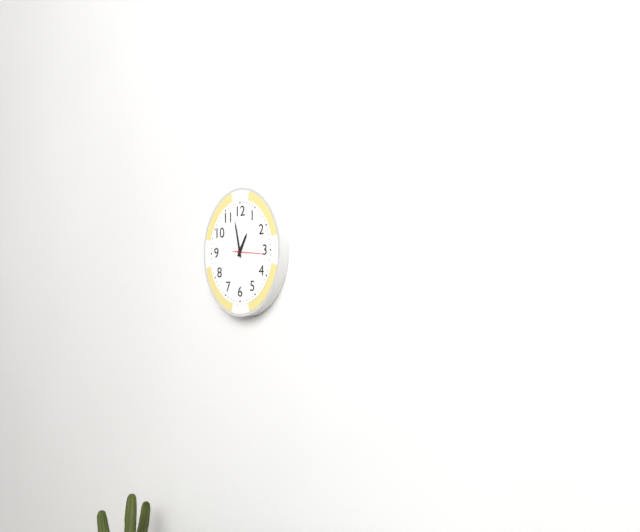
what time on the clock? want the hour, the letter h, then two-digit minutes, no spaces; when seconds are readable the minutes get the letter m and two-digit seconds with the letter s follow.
12h58
